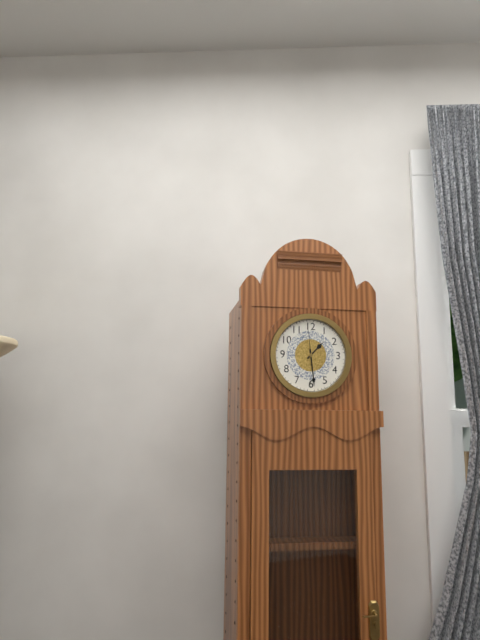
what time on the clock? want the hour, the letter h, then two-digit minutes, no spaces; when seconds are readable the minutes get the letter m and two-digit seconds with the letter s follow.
1h29
